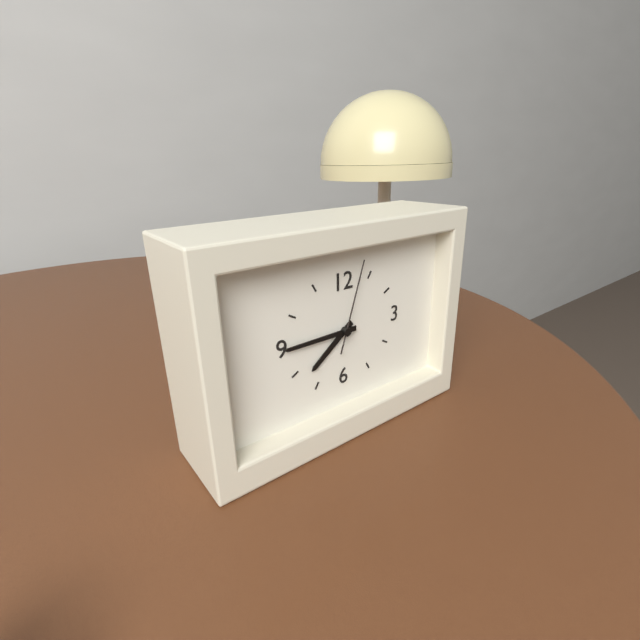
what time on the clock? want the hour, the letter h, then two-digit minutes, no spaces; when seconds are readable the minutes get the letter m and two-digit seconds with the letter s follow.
7h45m03s
